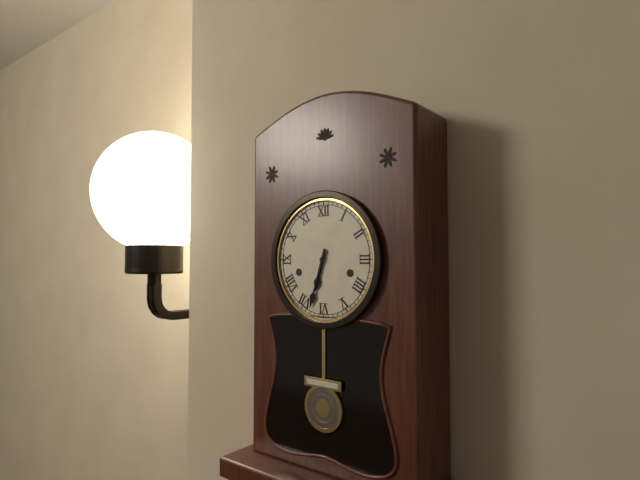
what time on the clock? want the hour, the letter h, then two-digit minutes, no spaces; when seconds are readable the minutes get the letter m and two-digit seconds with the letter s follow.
6h33
